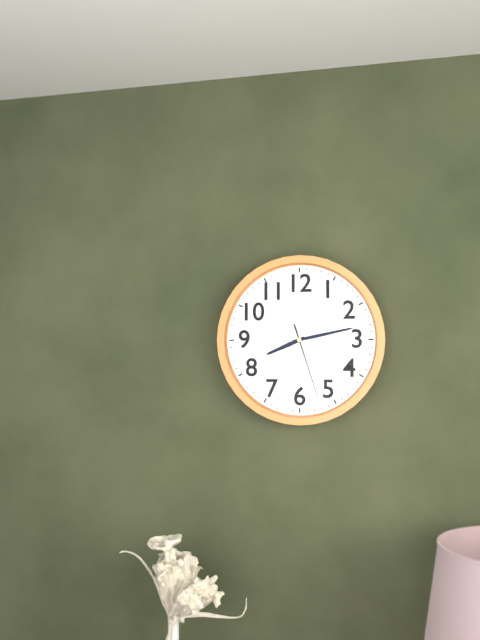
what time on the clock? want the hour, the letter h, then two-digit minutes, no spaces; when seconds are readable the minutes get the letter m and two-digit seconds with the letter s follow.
8h13m27s
